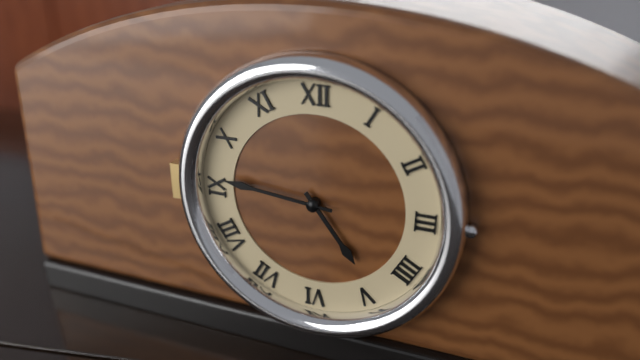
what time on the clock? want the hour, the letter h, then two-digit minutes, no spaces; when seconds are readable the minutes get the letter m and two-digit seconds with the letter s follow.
4h46
